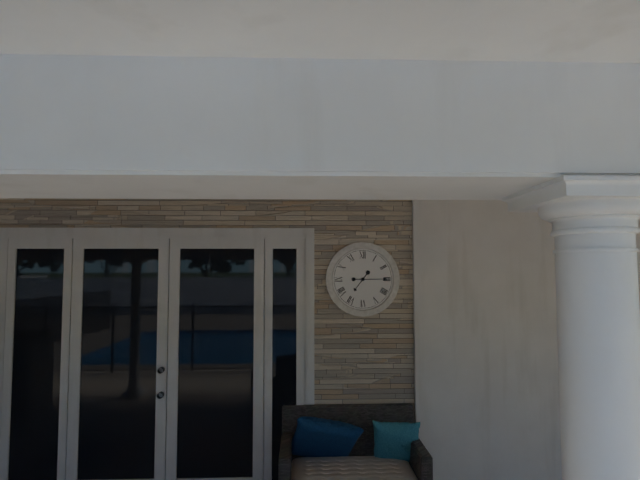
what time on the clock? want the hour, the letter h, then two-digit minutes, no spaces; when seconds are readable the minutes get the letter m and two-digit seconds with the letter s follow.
7h15
